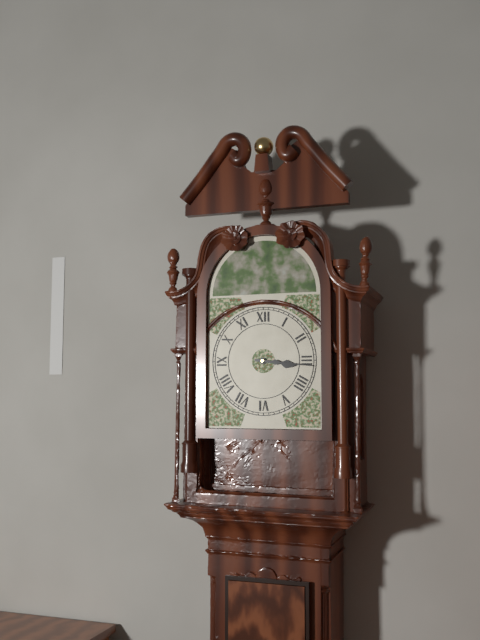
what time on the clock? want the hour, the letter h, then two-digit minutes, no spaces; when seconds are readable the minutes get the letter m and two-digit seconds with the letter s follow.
3h16
